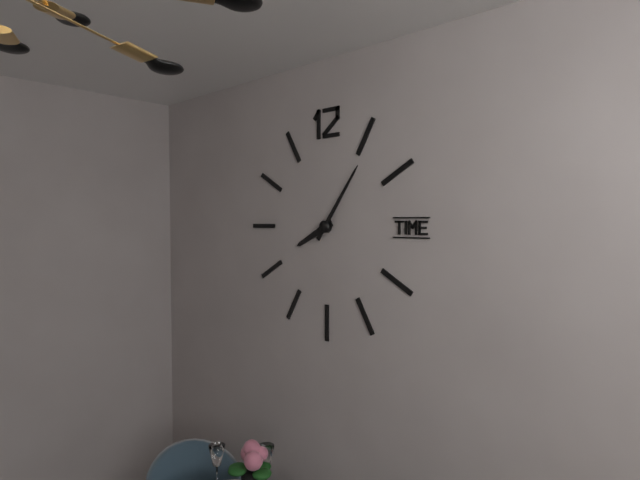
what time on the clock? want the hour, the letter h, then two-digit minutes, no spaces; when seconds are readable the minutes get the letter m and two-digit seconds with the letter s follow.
8h06
